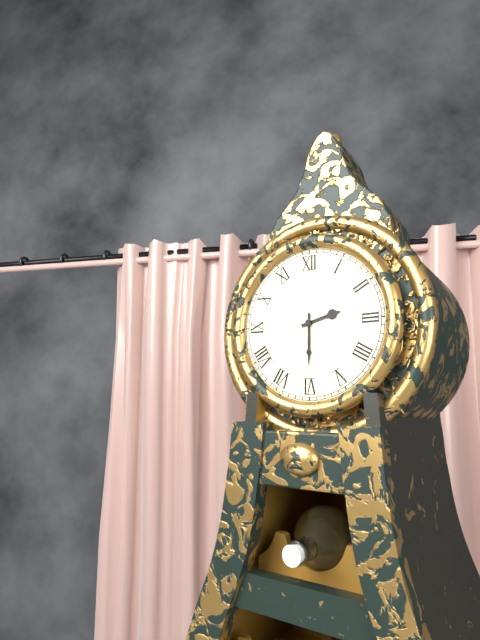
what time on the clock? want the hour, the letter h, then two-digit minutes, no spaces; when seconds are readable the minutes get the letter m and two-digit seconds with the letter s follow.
2h30
